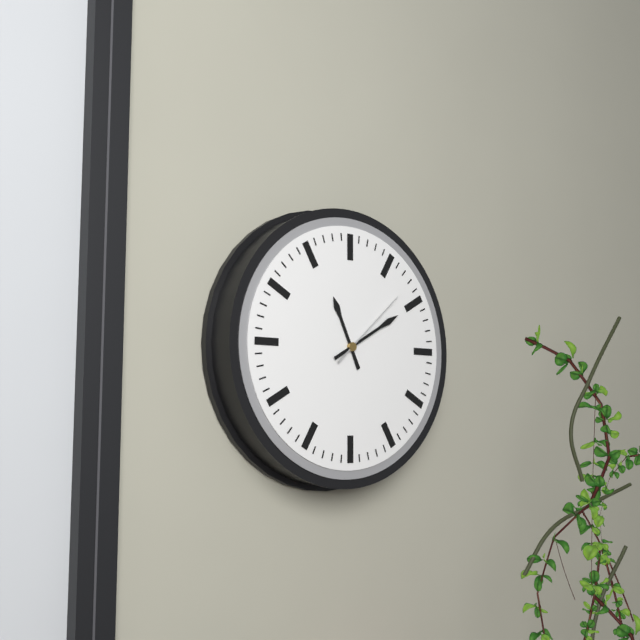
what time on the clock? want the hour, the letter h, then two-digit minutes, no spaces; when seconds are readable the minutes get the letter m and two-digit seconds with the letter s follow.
11h10m08s
